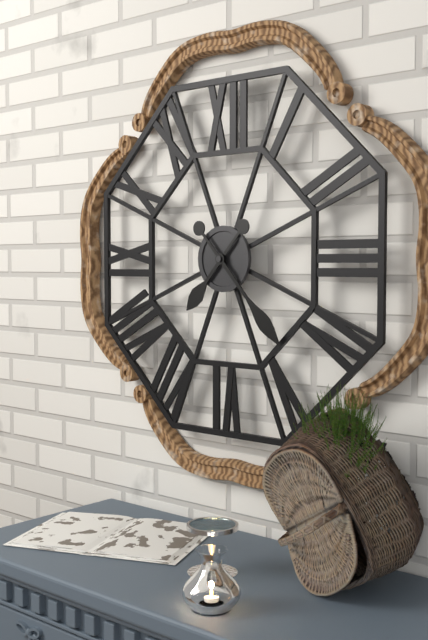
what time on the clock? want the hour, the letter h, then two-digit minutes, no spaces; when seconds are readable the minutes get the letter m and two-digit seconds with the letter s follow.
7h23
